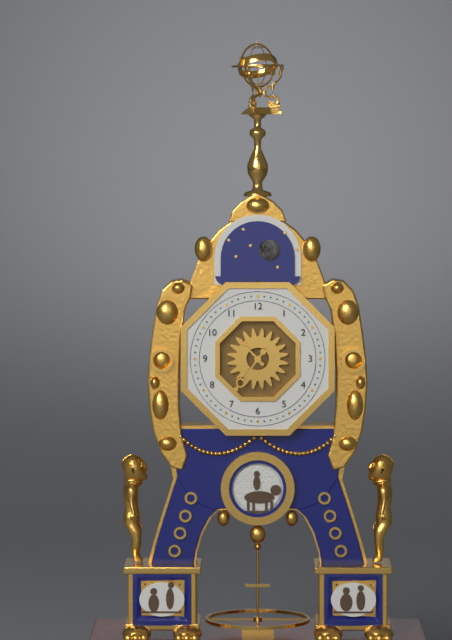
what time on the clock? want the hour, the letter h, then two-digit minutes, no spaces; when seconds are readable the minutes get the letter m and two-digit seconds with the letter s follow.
10h36
